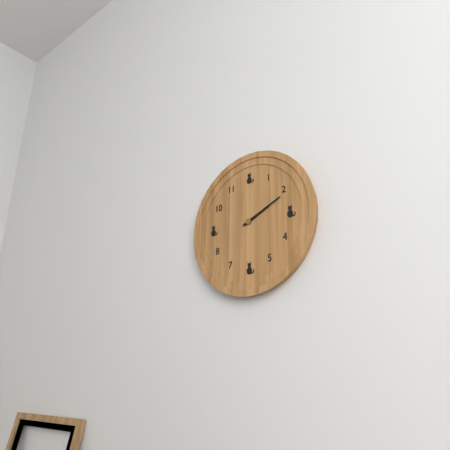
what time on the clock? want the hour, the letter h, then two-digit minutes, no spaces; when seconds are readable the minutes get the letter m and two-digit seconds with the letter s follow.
2h11
